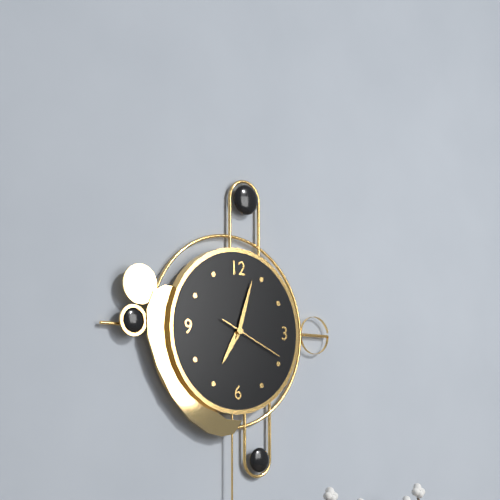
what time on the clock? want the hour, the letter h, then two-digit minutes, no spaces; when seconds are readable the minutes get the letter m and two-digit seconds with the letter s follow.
7h03m19s
